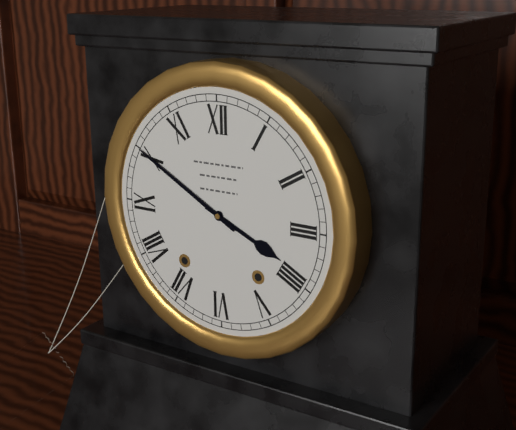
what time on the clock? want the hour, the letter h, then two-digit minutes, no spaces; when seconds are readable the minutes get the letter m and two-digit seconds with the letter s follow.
3h50
